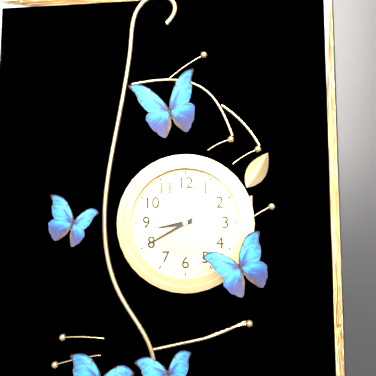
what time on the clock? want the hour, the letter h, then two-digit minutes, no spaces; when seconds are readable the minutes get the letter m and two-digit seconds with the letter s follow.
8h40
